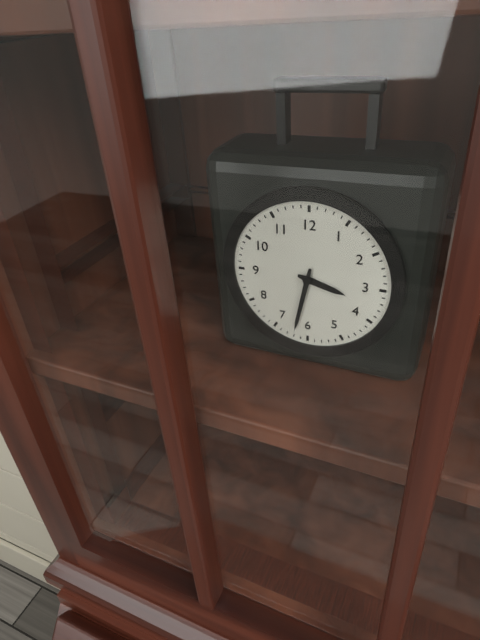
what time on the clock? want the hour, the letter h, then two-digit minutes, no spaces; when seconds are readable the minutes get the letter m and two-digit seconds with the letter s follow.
3h32
